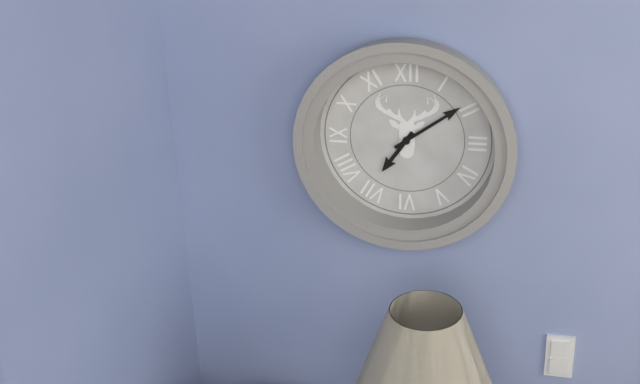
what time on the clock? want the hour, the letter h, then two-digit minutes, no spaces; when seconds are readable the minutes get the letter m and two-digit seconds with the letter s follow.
7h09
